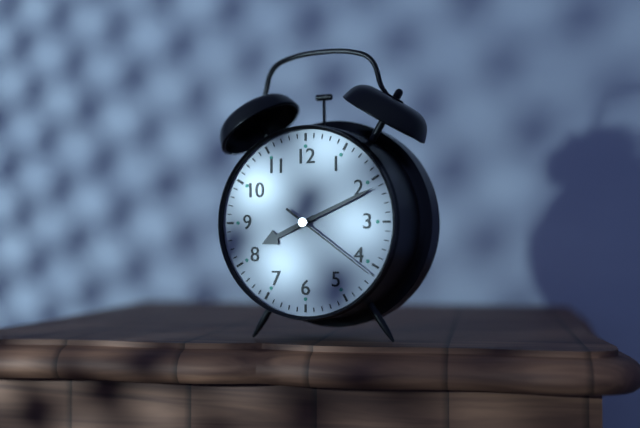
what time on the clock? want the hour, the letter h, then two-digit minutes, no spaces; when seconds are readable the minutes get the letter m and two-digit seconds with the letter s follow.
8h11m21s
